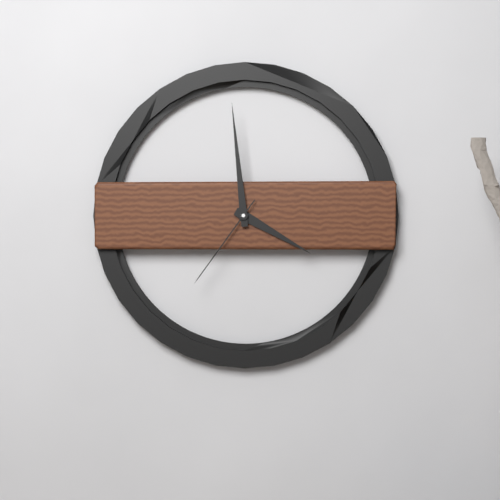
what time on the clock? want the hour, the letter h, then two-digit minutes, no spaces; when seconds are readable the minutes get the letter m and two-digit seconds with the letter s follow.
3h59m36s
